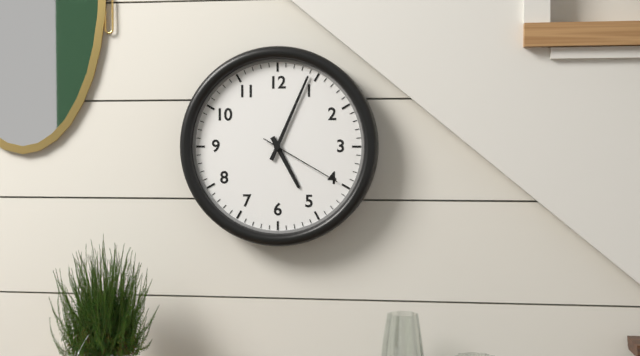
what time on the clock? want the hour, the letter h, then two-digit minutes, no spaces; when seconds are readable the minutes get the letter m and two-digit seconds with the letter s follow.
5h04m20s
